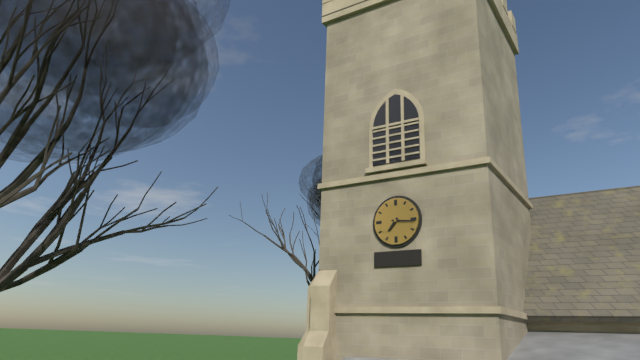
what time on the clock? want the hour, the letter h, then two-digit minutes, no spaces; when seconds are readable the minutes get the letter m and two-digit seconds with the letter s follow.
7h16
